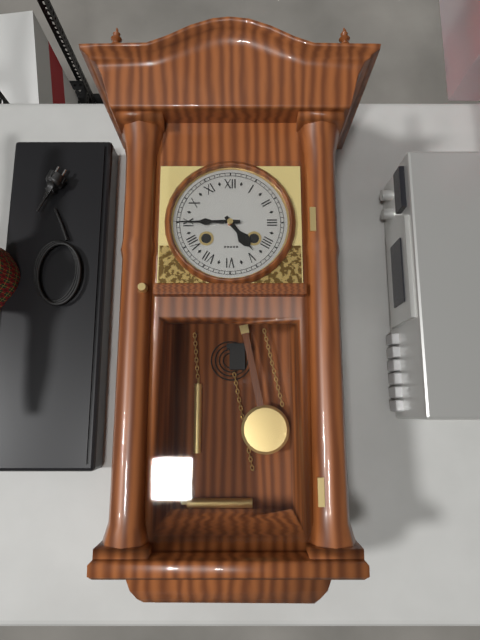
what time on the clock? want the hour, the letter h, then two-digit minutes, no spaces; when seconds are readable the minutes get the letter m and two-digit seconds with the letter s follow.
4h45
